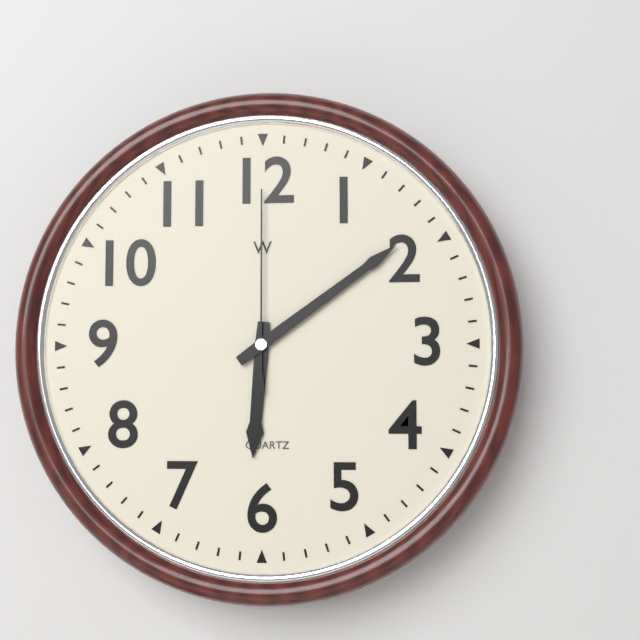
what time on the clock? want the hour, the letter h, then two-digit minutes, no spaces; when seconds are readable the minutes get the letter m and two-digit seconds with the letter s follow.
6h09m00s
